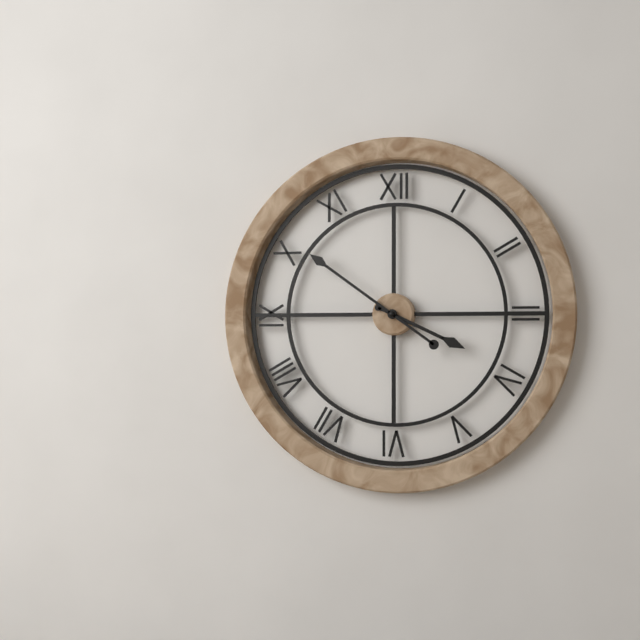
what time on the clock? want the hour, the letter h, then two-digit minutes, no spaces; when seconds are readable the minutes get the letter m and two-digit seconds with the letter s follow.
3h51
